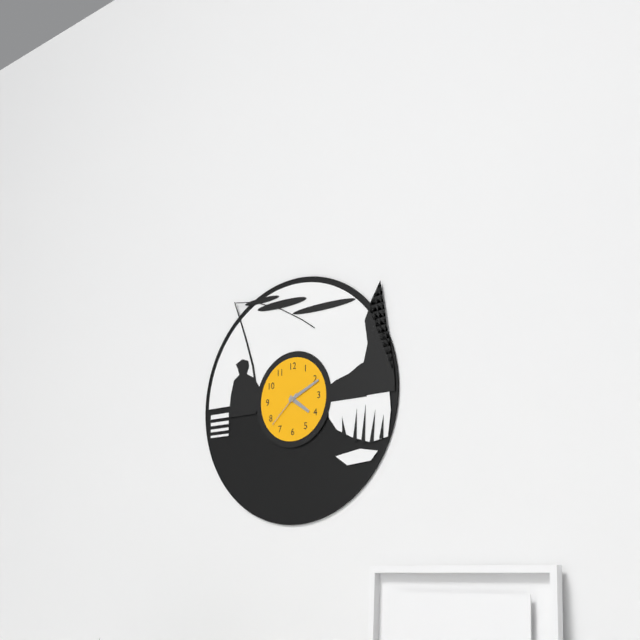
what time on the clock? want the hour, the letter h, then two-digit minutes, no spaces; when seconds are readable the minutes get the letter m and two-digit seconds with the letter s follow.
4h11
